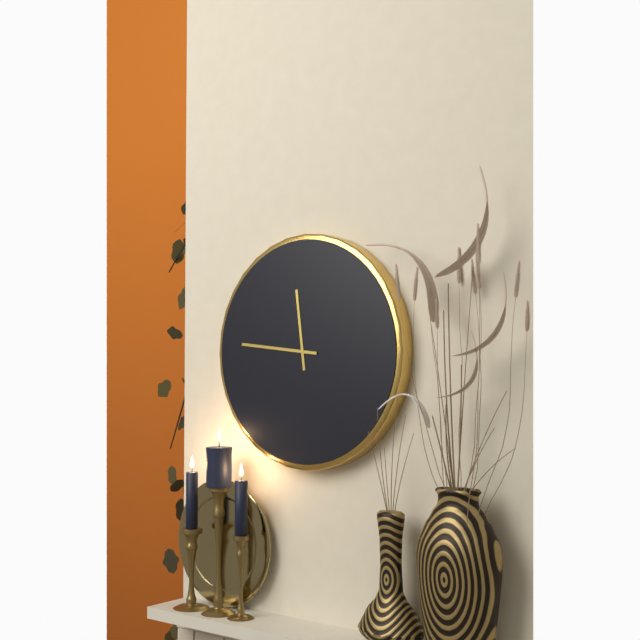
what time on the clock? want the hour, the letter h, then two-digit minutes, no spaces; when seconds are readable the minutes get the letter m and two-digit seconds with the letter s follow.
11h46
